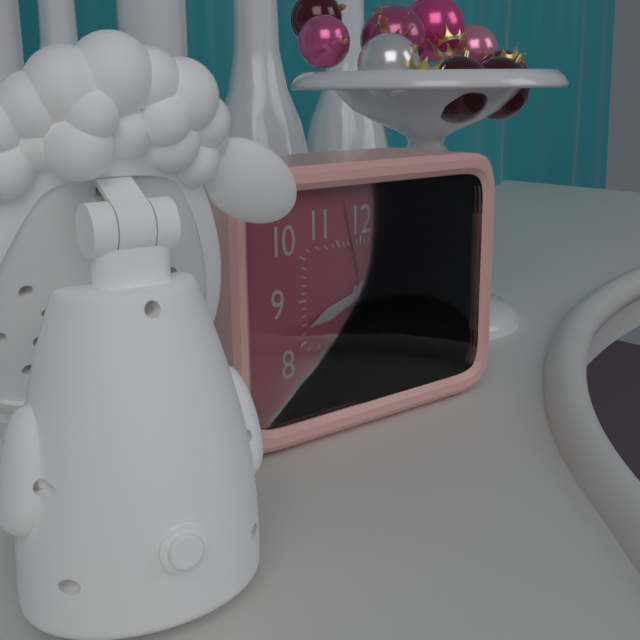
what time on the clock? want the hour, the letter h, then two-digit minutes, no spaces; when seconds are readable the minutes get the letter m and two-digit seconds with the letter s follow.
8h18
